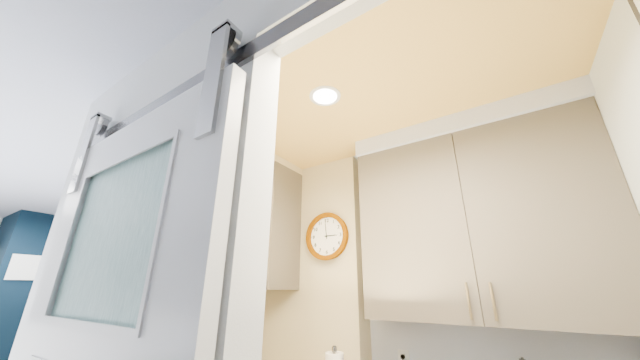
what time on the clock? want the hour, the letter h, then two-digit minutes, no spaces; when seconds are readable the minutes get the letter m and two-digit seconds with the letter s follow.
2h59
